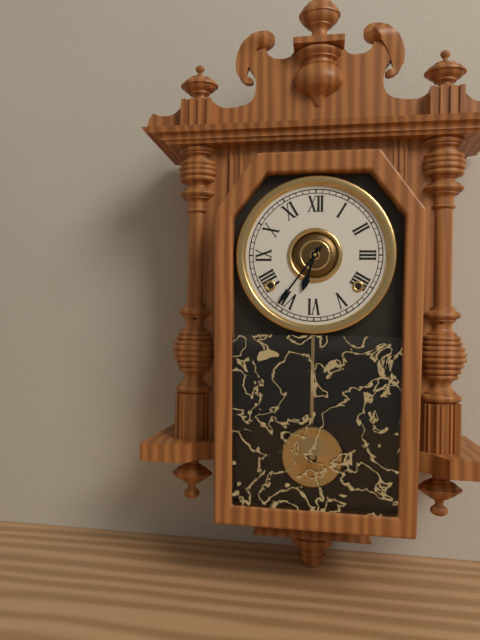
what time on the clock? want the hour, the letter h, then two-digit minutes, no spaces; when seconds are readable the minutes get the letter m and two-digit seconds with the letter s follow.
6h36
